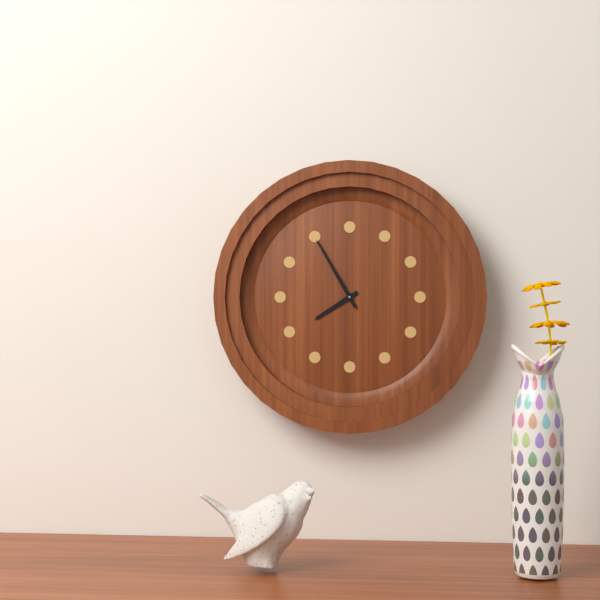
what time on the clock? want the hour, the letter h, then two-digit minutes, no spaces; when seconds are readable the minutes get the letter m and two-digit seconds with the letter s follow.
7h55
